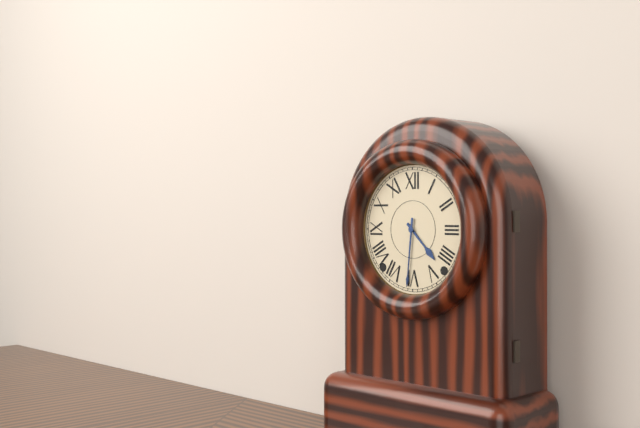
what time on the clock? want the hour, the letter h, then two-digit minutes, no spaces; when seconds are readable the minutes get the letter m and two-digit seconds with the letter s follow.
4h31
